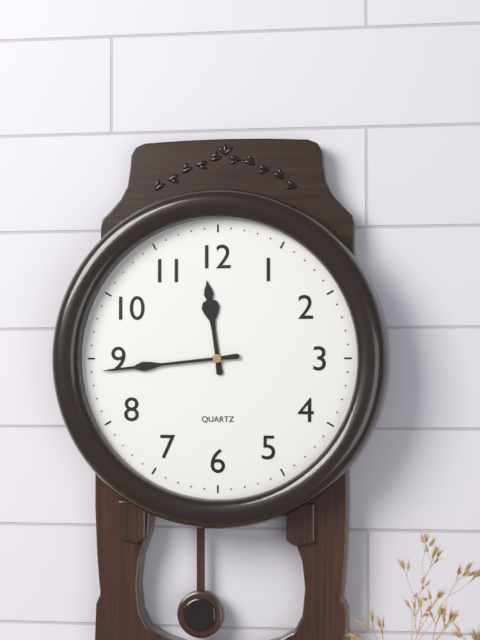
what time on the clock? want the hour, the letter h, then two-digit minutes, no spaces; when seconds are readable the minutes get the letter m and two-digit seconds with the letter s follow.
11h44
